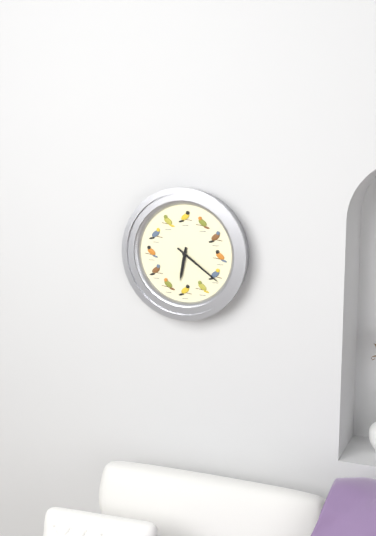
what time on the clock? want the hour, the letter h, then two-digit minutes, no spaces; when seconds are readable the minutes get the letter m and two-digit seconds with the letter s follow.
6h21
